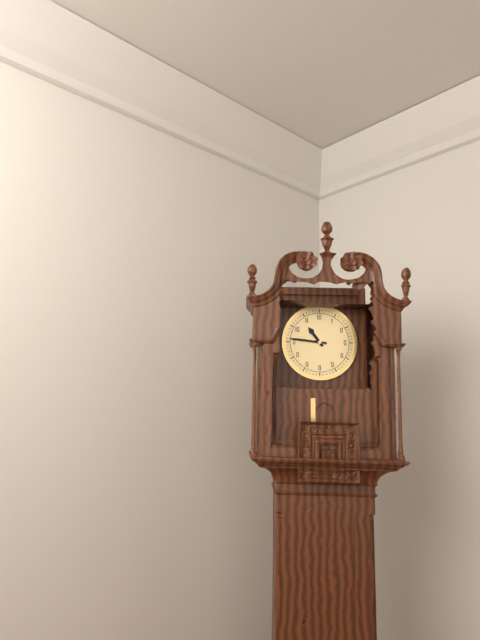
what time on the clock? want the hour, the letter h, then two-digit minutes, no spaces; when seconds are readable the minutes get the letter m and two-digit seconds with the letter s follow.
10h46
